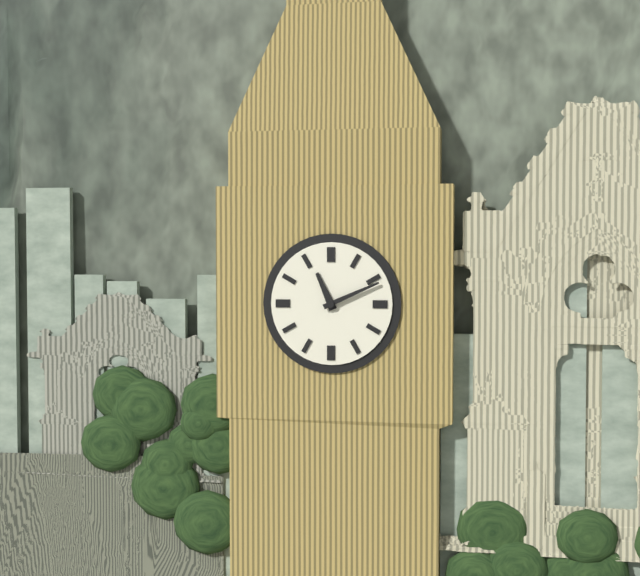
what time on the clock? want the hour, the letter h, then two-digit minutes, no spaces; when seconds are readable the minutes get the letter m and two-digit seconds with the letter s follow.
11h11
